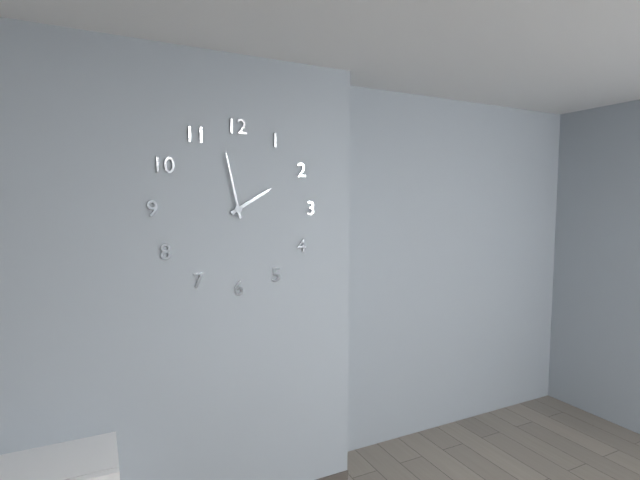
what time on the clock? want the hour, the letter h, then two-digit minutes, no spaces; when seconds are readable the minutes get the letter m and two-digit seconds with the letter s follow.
1h58
